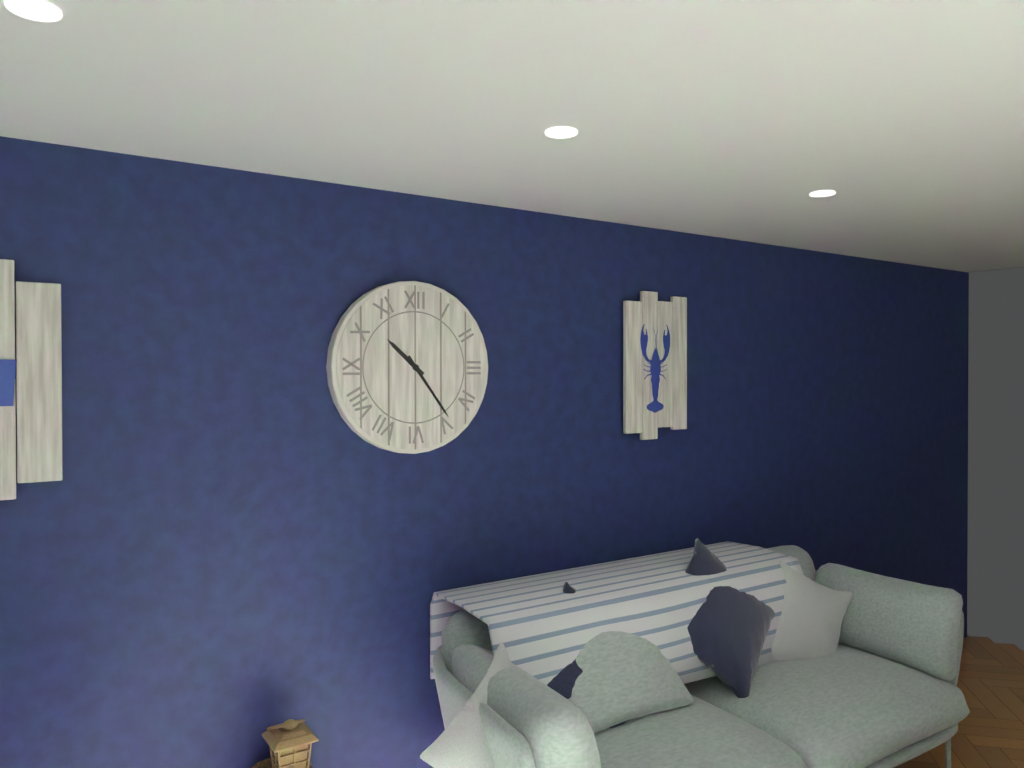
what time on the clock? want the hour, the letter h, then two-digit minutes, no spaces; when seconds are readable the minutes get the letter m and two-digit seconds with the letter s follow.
10h24
